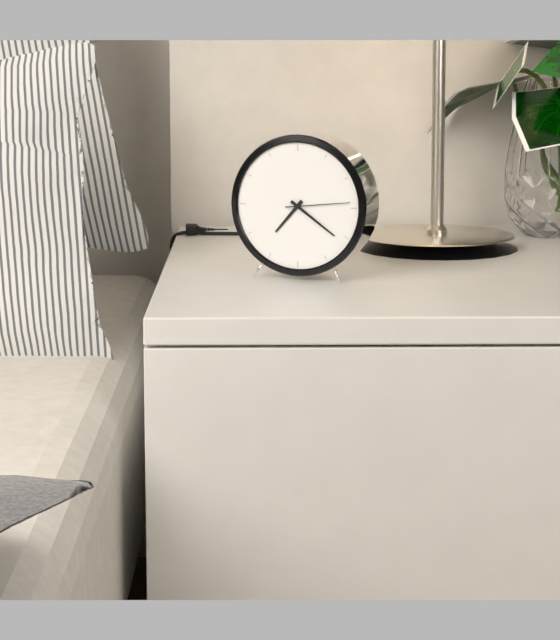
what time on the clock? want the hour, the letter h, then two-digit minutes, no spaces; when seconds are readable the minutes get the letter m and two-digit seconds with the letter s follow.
7h21m14s
